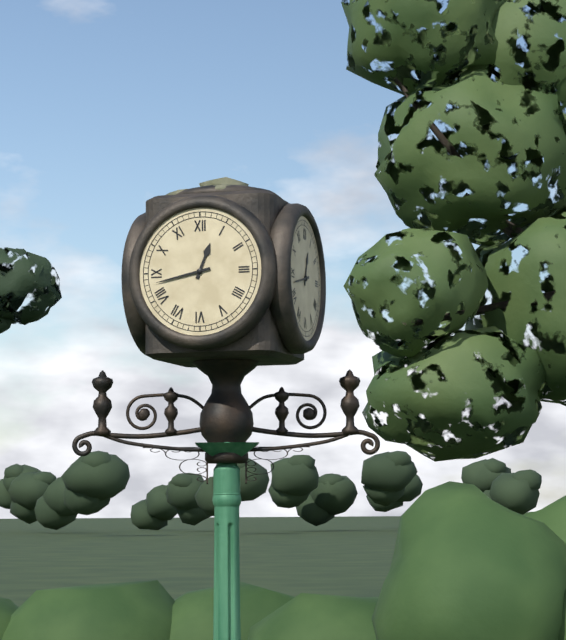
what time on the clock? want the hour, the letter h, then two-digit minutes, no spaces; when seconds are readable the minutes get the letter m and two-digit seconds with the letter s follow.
12h43
